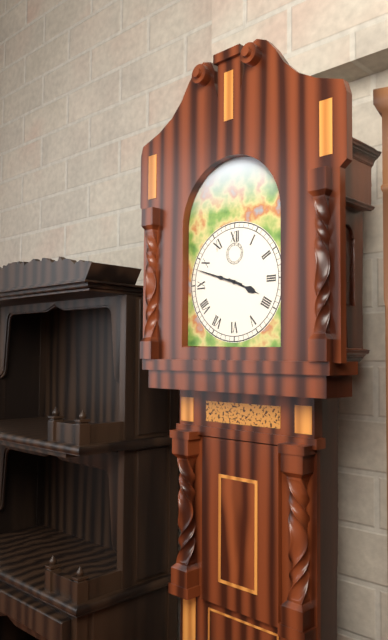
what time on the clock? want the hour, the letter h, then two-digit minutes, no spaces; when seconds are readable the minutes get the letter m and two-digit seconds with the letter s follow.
3h48
